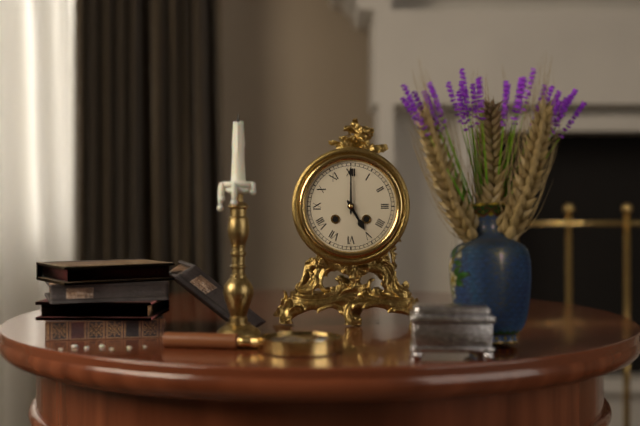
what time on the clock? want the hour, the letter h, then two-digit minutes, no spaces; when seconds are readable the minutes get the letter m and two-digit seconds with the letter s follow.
5h00
